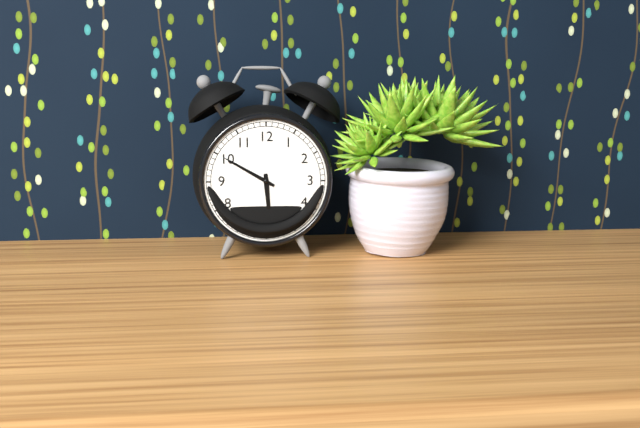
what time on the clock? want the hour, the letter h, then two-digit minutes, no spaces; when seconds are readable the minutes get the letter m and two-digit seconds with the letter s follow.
5h50
